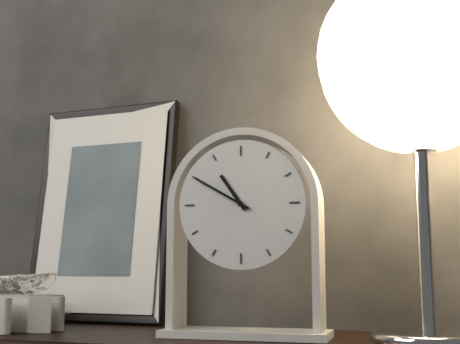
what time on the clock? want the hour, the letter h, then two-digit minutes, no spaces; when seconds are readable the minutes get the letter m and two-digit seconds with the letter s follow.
10h50
